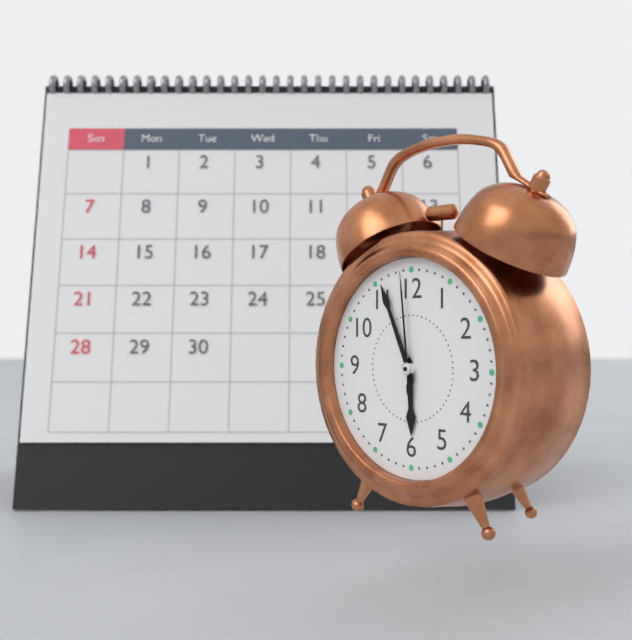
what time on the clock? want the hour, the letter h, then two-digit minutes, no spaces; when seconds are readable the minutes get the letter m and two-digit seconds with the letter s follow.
5h56m59s
